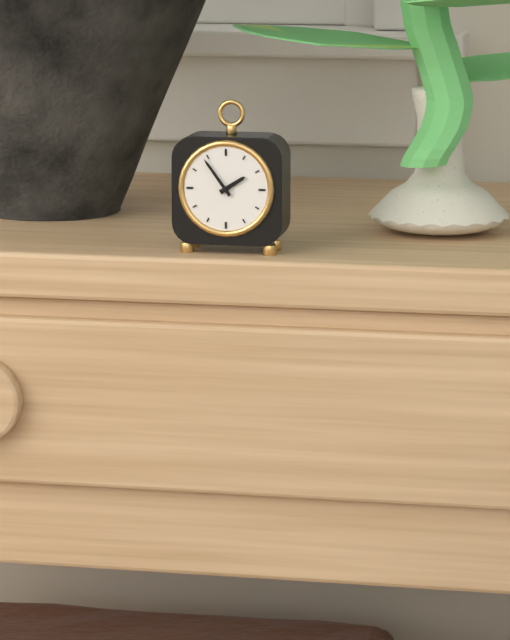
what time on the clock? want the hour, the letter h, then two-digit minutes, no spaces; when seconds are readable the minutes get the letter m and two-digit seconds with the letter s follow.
1h54
